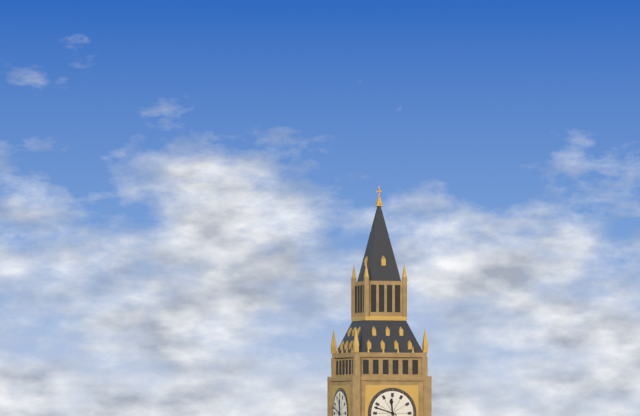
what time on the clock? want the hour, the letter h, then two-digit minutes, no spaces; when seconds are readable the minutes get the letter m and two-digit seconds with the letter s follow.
11h48
